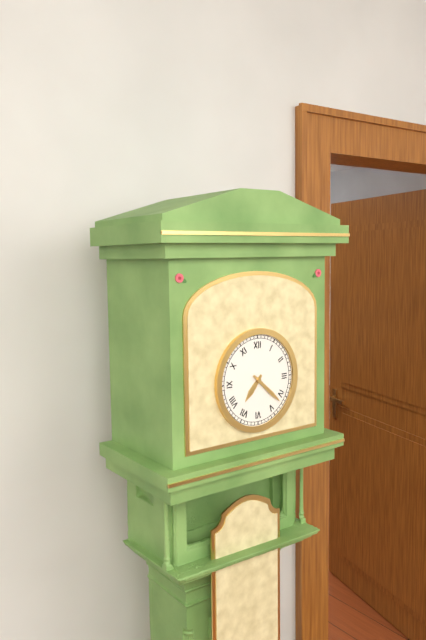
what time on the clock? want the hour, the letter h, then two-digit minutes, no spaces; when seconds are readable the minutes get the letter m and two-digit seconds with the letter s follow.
7h22
